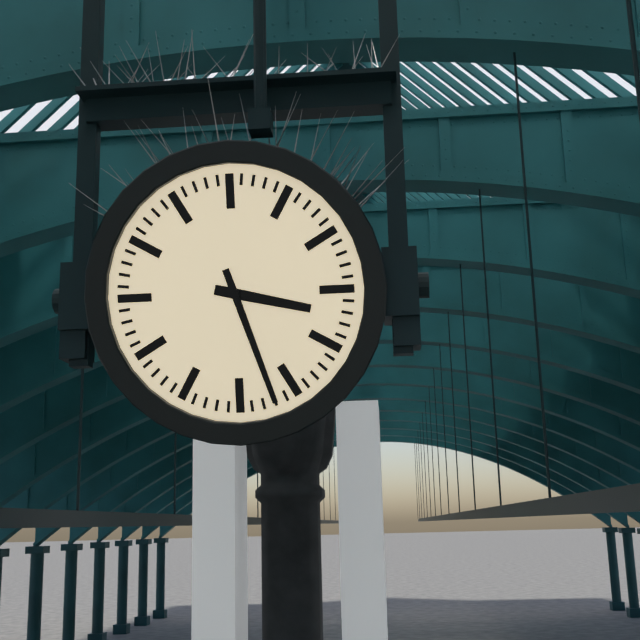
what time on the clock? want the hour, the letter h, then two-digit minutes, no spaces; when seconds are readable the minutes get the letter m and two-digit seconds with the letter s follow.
3h27
